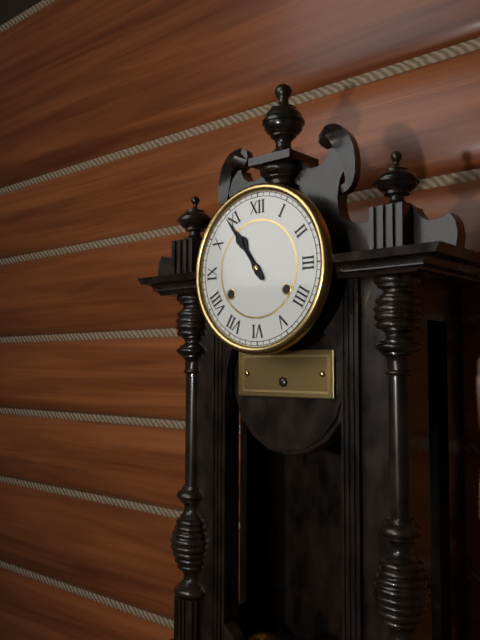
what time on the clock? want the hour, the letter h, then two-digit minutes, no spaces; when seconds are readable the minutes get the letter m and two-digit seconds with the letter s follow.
10h54
